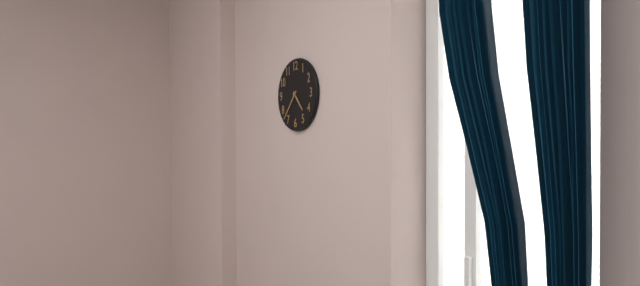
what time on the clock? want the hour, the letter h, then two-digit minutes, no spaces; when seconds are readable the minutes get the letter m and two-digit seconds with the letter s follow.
4h37
